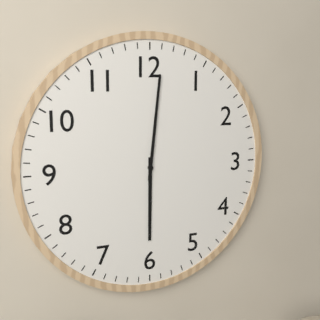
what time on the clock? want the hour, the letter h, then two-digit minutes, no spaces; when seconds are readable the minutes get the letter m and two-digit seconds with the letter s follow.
6h01
